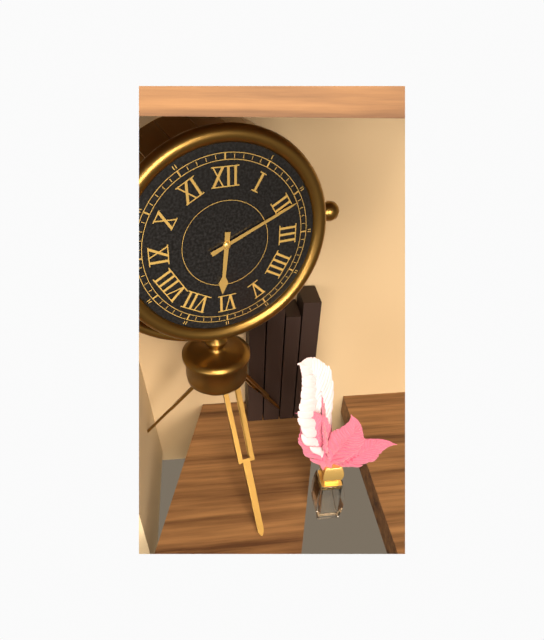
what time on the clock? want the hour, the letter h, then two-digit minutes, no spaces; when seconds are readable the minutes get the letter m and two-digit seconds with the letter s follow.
6h11
